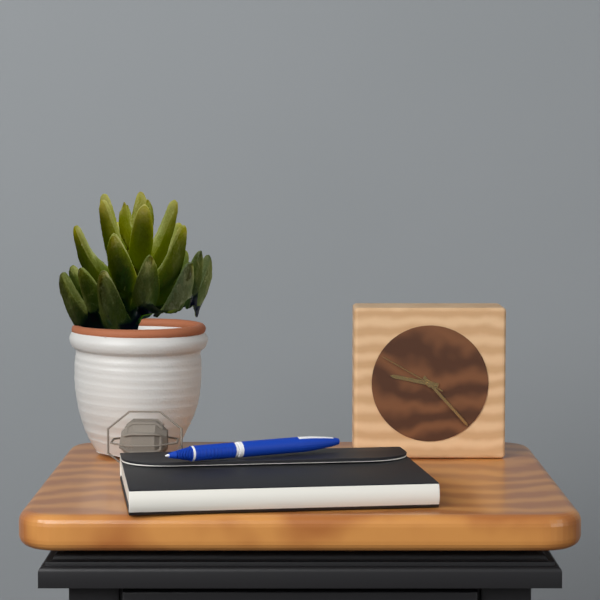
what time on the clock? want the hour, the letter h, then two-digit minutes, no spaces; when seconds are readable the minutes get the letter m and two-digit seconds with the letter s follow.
9h23m50s
